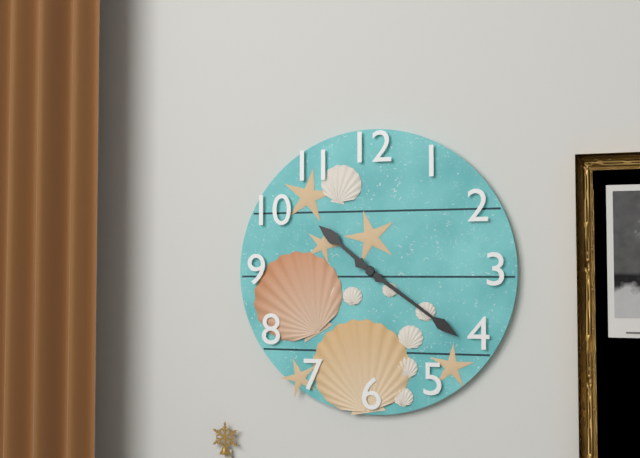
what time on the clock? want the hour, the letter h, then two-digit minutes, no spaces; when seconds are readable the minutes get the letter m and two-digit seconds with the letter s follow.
10h21
